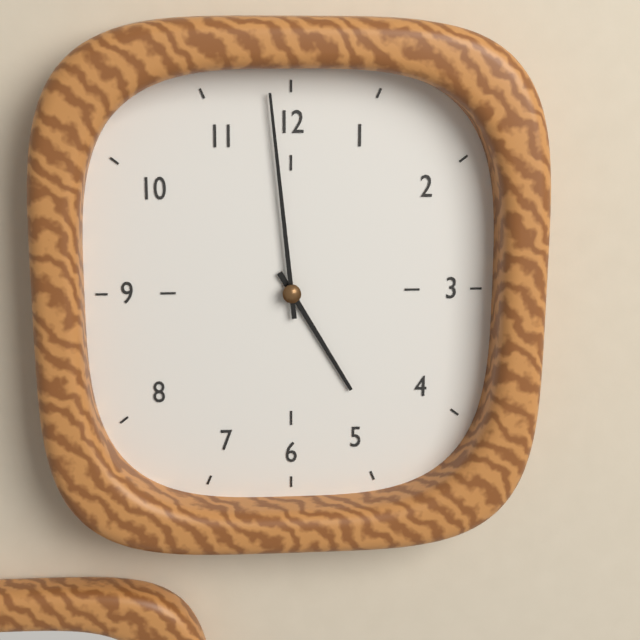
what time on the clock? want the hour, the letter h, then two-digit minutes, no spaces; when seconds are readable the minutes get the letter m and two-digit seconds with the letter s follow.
4h59
